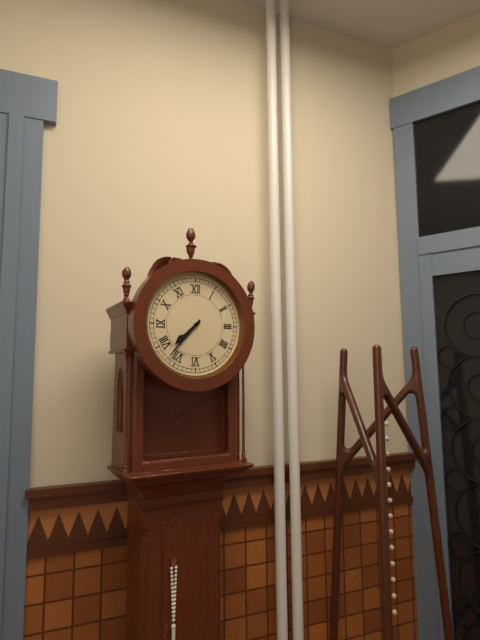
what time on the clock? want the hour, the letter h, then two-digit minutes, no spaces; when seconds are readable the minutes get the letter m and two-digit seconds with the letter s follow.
7h37
